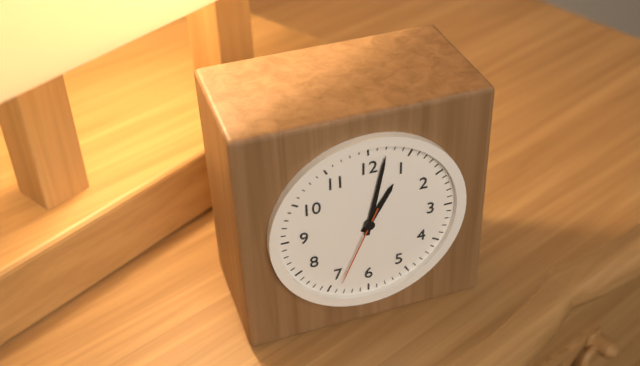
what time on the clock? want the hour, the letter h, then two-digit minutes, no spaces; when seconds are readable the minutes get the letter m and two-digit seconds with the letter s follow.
1h02m34s
